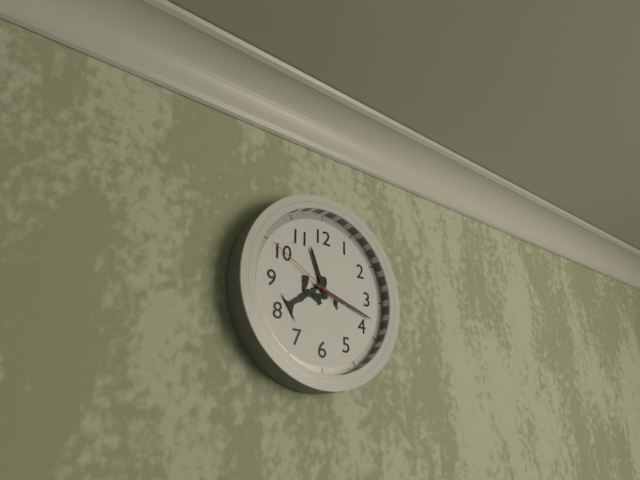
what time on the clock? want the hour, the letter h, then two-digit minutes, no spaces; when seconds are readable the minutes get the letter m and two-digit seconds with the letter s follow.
11h18m50s
